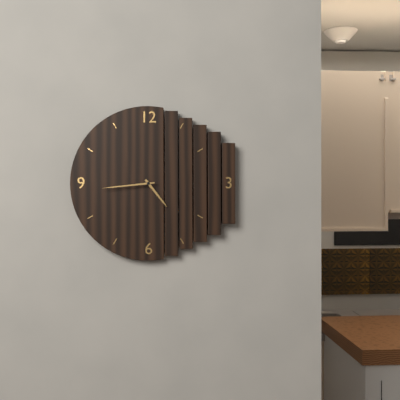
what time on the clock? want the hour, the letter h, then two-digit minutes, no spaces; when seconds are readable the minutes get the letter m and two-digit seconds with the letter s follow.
4h44
